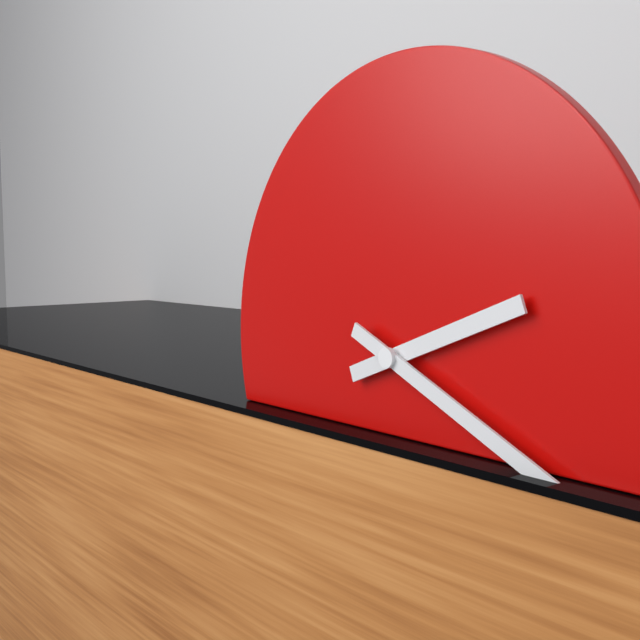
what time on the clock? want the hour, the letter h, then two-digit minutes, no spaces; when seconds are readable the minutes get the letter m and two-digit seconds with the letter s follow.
2h19
